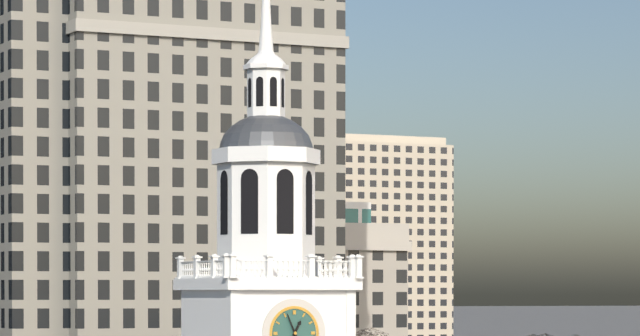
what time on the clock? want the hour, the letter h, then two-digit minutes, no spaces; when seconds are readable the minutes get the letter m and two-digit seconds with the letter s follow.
12h56
